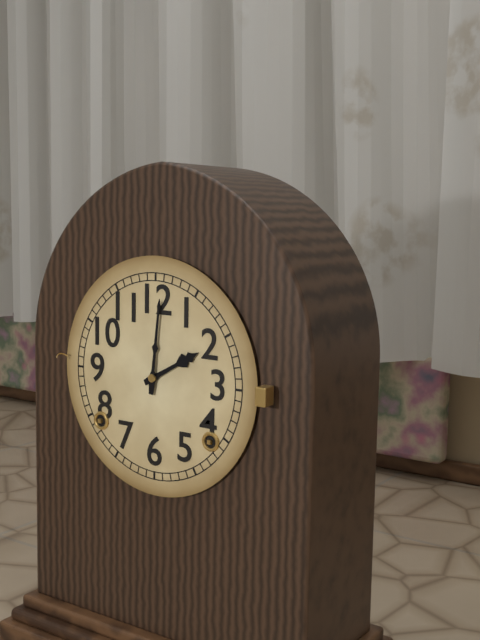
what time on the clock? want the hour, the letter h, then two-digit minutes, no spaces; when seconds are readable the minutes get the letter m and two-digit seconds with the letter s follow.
2h01
